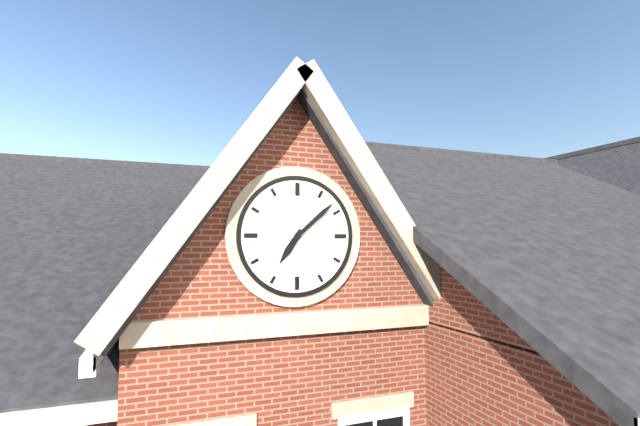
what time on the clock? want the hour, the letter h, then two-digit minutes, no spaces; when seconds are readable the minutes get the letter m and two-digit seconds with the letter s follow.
7h08
